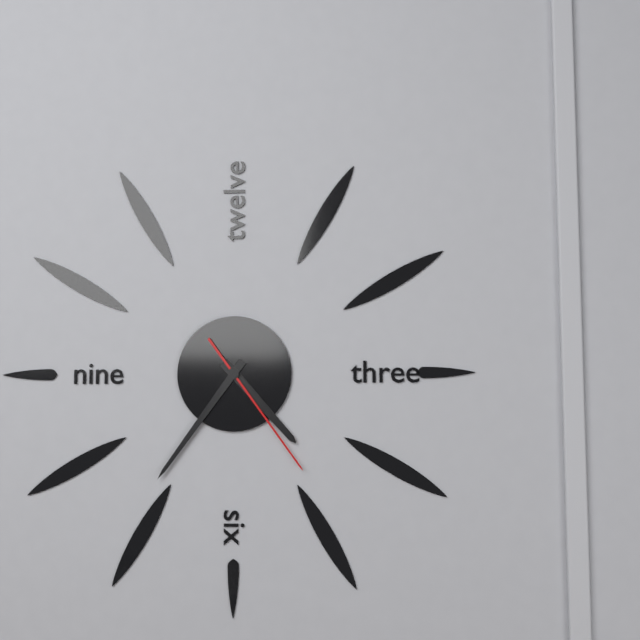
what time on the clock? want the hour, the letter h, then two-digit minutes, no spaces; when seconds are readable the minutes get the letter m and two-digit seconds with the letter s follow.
4h36m24s
